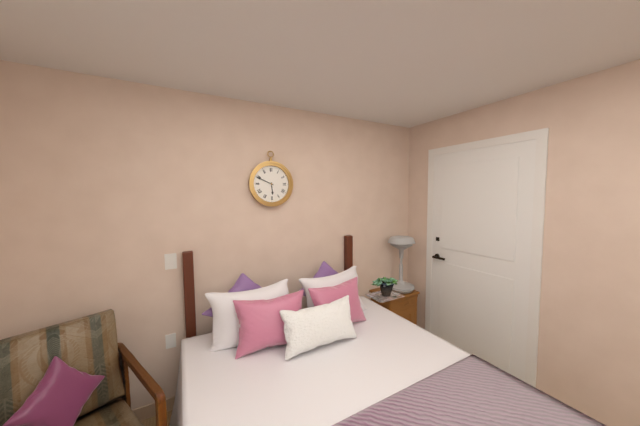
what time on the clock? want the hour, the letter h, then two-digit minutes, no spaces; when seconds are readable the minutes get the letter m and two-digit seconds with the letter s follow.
5h49
